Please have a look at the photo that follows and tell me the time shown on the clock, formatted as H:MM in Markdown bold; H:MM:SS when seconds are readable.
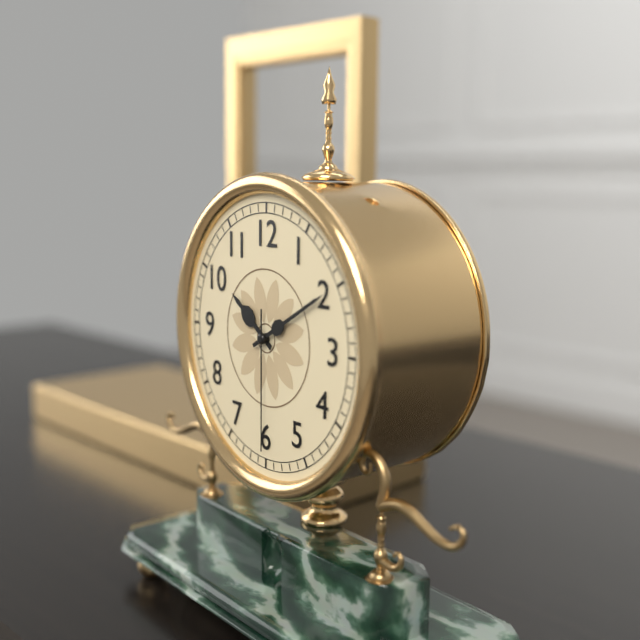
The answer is **10:10:30**
